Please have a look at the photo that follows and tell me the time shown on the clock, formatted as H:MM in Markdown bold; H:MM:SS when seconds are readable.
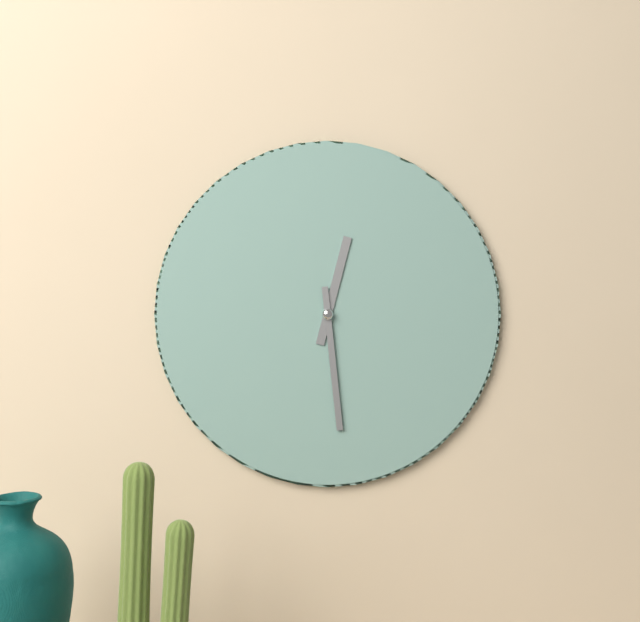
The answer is **12:29**
